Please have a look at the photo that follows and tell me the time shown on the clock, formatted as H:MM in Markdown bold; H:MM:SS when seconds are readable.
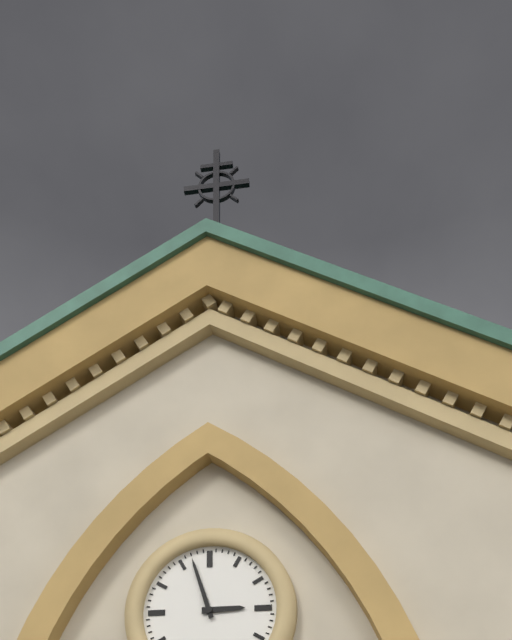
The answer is **2:57**
